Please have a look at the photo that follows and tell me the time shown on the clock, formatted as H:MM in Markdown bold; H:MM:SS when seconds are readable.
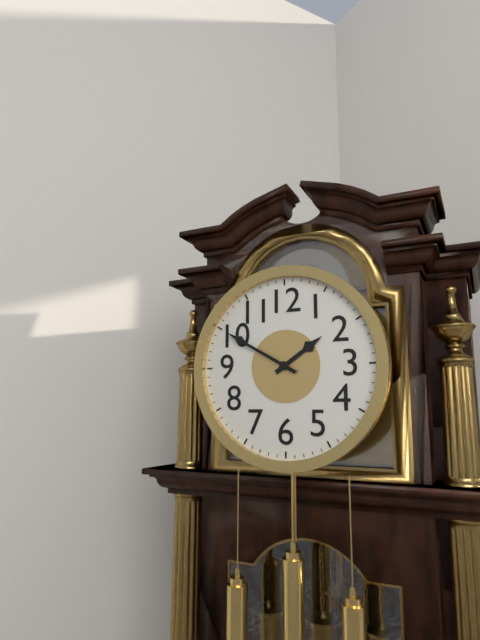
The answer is **1:50**
